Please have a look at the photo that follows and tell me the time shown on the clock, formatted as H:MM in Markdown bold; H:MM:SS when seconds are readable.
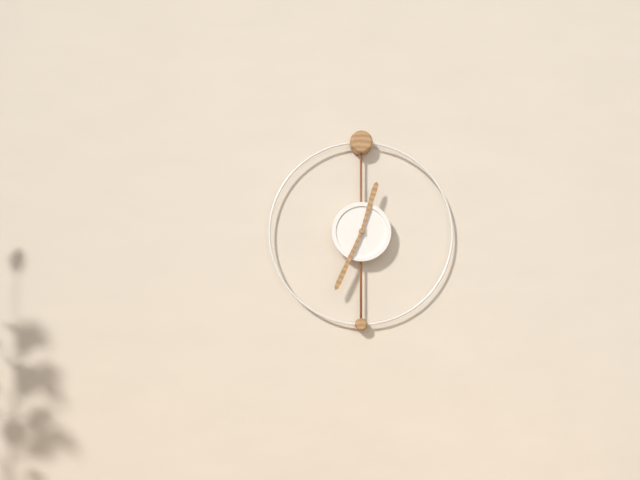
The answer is **12:34**
